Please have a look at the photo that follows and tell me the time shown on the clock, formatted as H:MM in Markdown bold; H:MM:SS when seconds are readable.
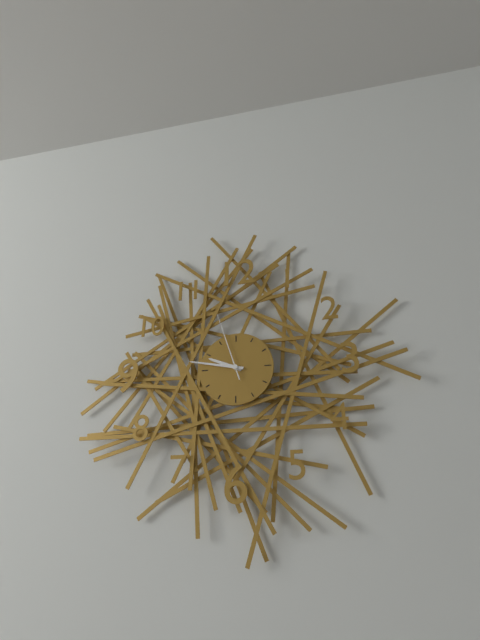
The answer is **9:47:57**
